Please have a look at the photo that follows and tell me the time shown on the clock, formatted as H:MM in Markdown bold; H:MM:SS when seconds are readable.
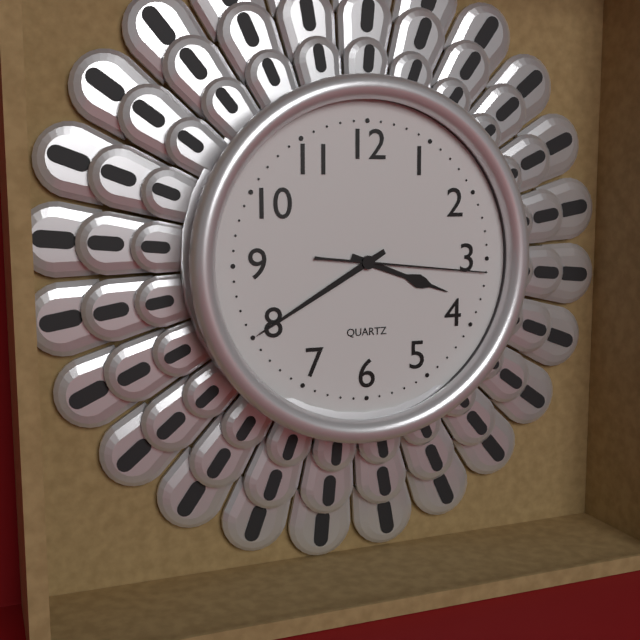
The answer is **3:40:16**
